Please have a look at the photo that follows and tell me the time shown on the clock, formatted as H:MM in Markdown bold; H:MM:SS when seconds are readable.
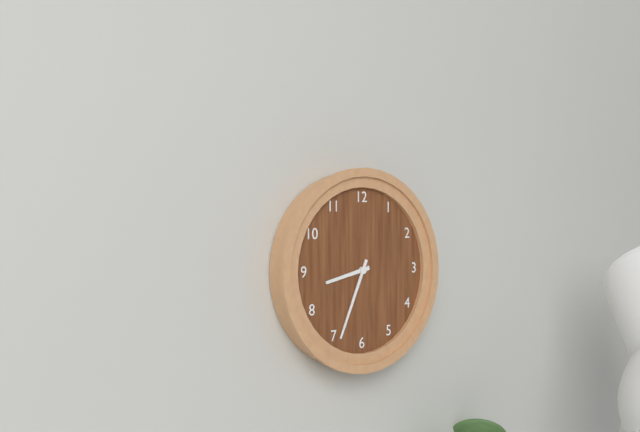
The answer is **8:34**
